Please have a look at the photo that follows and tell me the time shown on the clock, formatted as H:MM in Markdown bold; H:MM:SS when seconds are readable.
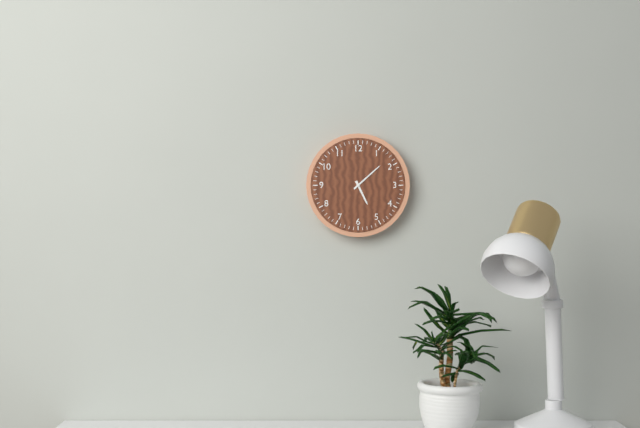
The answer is **5:08**
